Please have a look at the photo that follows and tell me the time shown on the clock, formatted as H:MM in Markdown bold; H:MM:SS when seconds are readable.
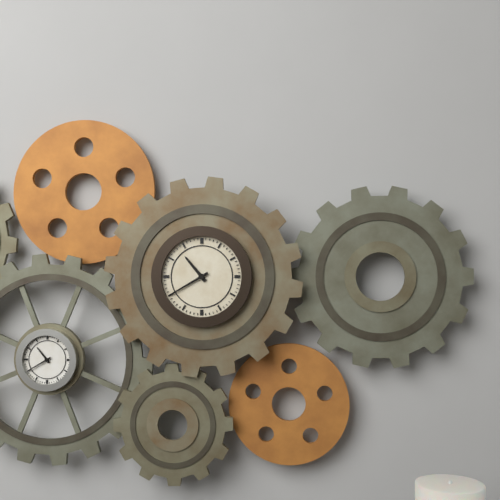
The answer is **10:40**
